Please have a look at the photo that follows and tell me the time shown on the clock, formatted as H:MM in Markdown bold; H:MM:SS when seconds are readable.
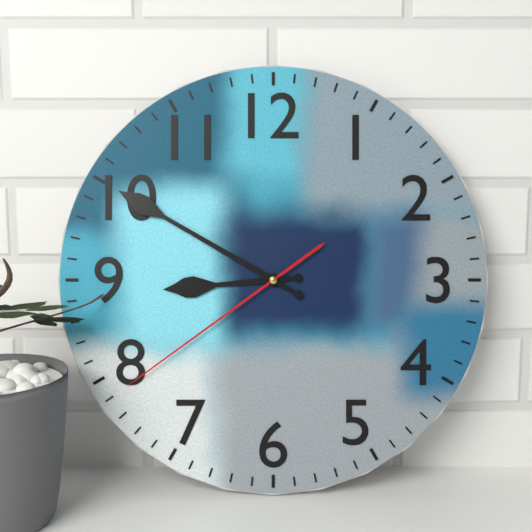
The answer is **8:50:39**
